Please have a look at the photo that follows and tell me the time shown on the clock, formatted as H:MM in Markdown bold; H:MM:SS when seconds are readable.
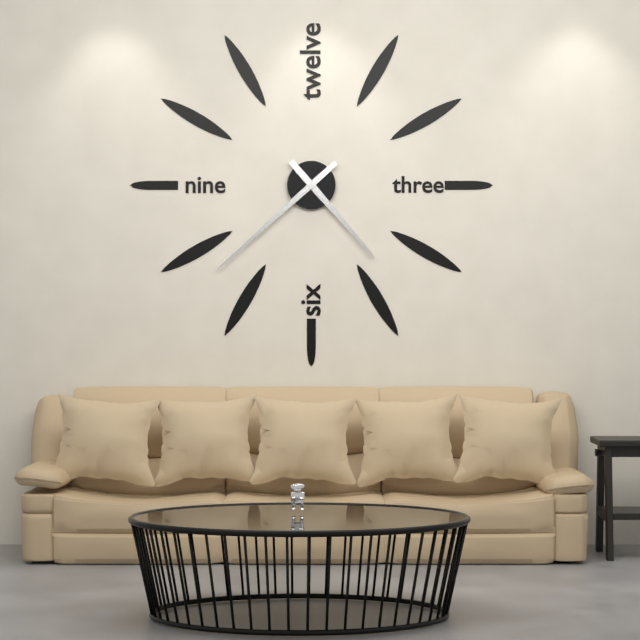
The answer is **4:38**
